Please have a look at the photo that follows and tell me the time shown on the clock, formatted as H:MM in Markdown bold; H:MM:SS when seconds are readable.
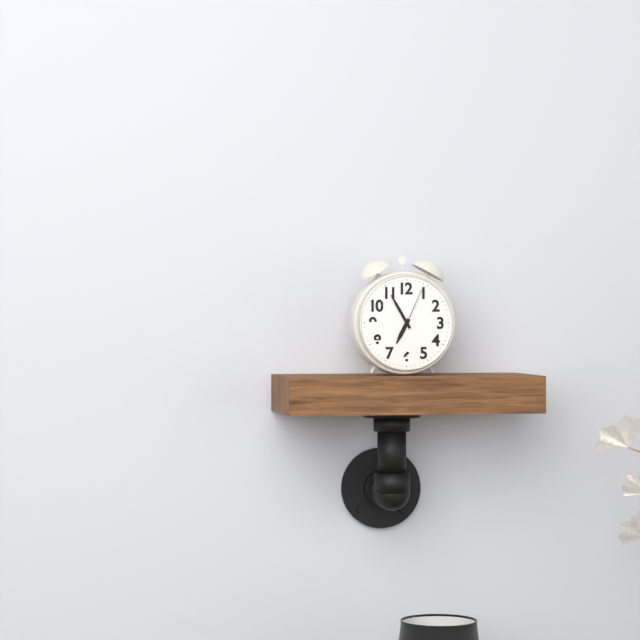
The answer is **6:55**
